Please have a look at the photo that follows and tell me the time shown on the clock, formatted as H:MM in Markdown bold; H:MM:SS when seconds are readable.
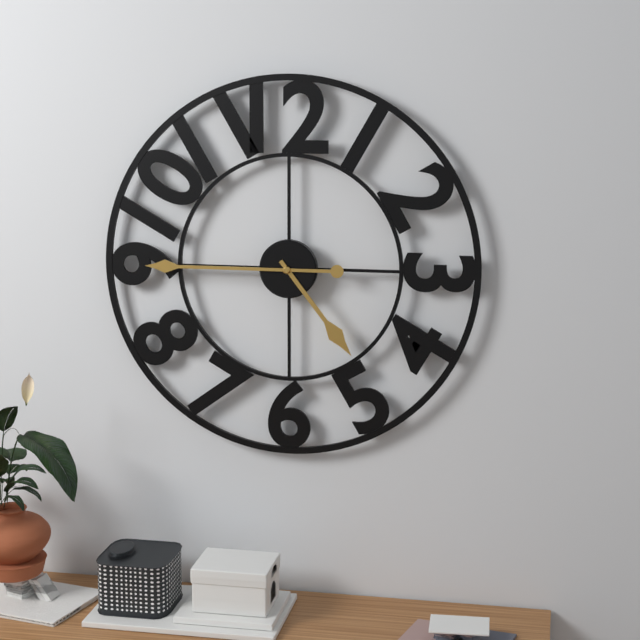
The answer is **4:45**
